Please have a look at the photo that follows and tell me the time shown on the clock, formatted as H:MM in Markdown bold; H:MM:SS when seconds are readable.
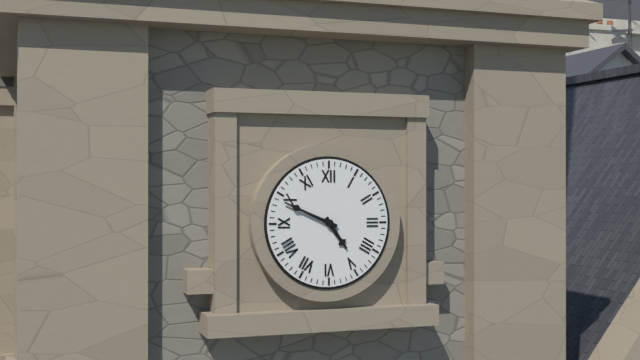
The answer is **4:49**
